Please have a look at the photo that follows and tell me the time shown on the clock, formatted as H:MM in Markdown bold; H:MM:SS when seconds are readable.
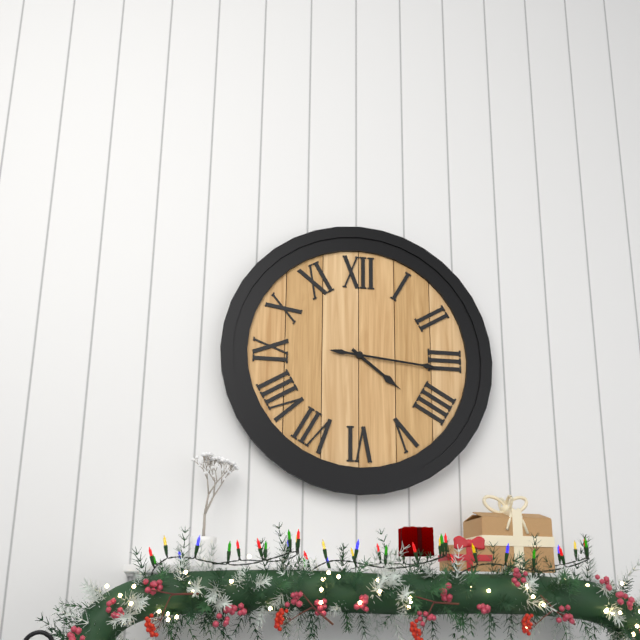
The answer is **4:16**
